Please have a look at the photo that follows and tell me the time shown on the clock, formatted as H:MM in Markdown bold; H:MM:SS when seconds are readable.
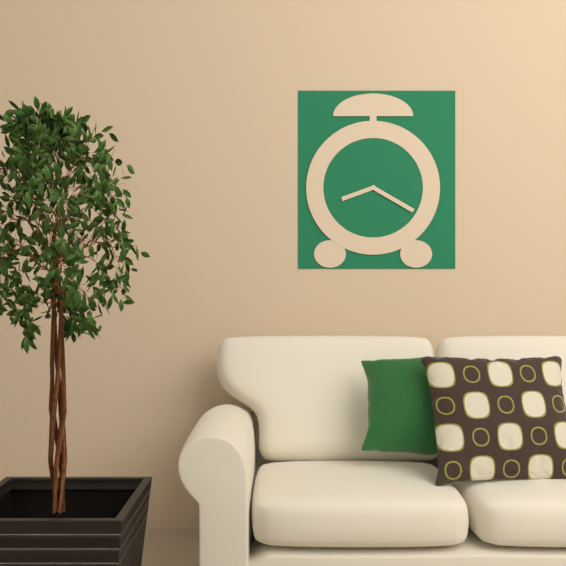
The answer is **8:20**
